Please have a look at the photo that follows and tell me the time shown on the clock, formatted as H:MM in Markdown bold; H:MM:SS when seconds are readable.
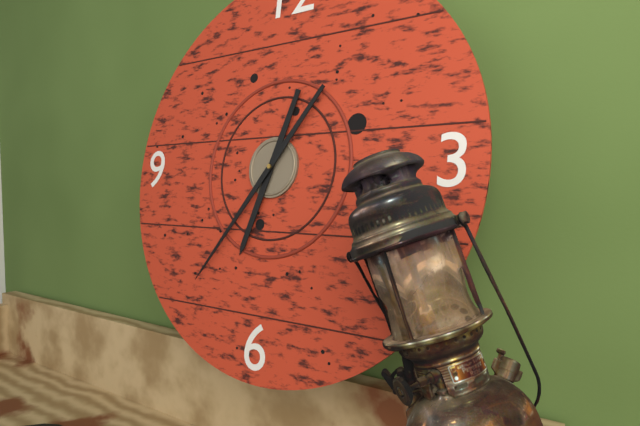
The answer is **6:36**
